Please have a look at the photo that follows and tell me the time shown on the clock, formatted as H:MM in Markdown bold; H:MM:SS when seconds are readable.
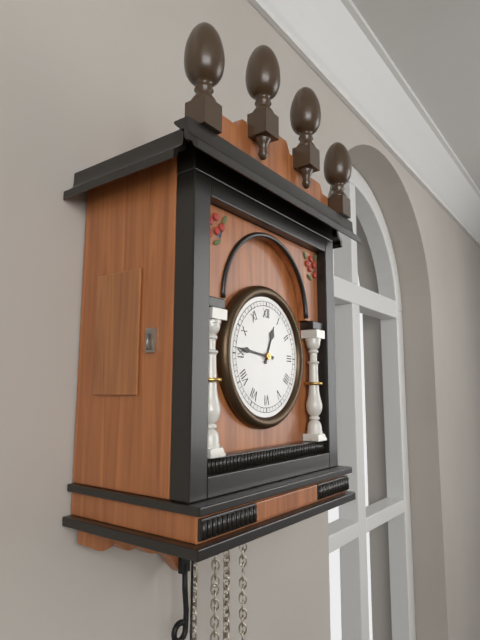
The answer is **12:46**
